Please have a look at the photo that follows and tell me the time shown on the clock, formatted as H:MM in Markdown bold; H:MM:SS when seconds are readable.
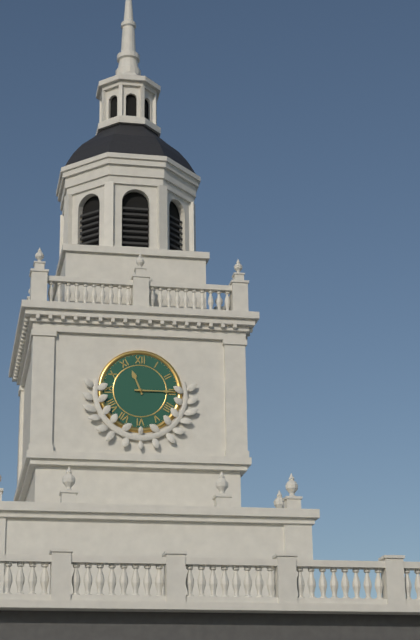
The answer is **11:15**
